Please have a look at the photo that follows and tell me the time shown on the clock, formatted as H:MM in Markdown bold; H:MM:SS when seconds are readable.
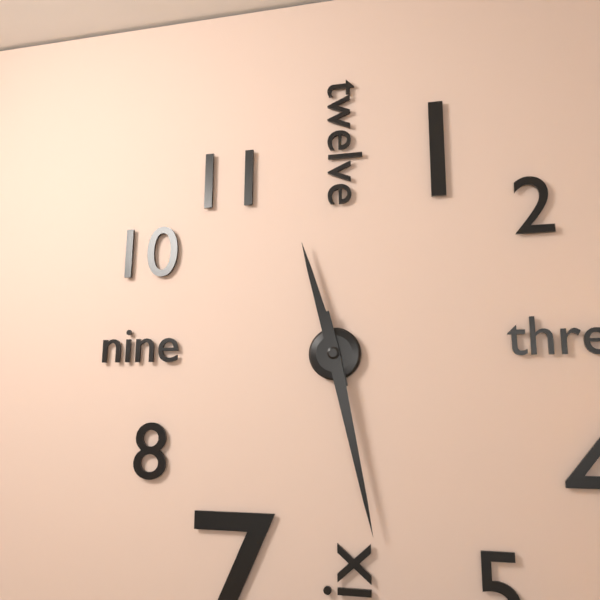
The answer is **11:28**
